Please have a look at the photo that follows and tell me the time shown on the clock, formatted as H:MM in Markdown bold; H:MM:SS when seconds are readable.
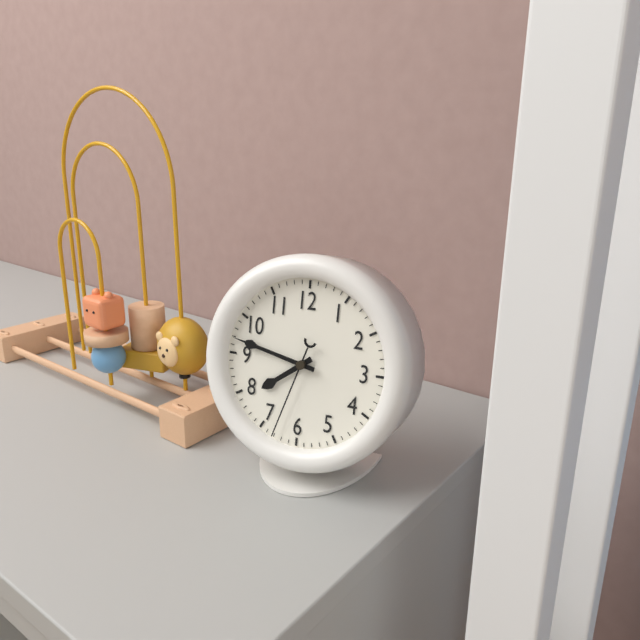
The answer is **7:47:33**
